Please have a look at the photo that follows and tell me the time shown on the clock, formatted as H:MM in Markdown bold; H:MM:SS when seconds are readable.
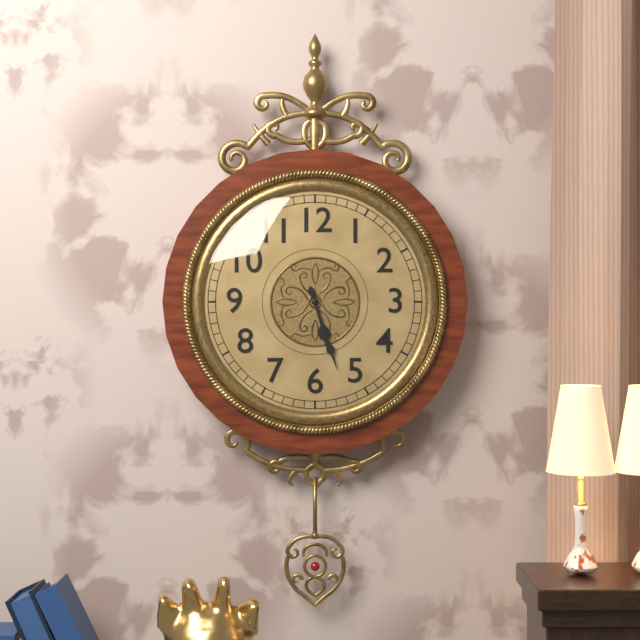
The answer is **5:27**
